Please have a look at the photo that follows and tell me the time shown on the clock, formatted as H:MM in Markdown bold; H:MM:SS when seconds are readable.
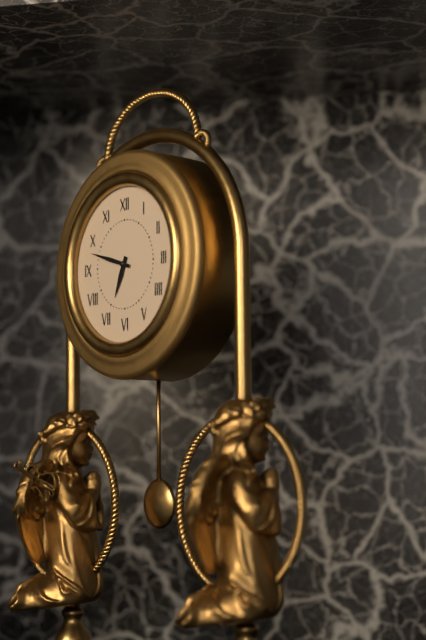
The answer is **6:48**
